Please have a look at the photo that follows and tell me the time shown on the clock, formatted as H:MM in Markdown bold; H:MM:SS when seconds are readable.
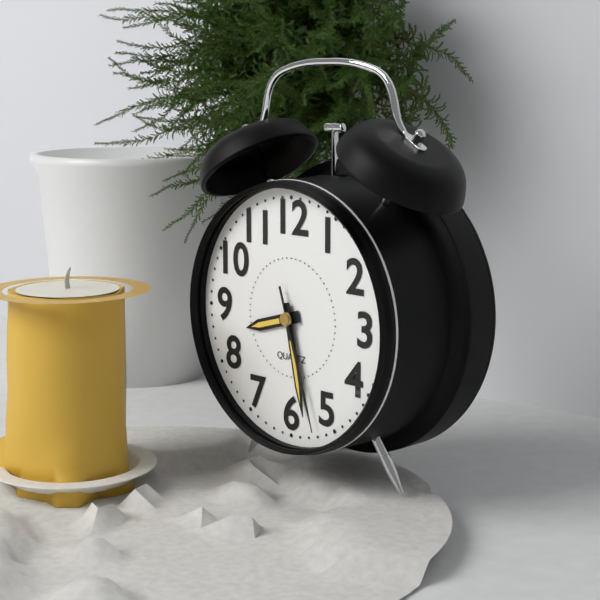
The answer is **8:28:27**
